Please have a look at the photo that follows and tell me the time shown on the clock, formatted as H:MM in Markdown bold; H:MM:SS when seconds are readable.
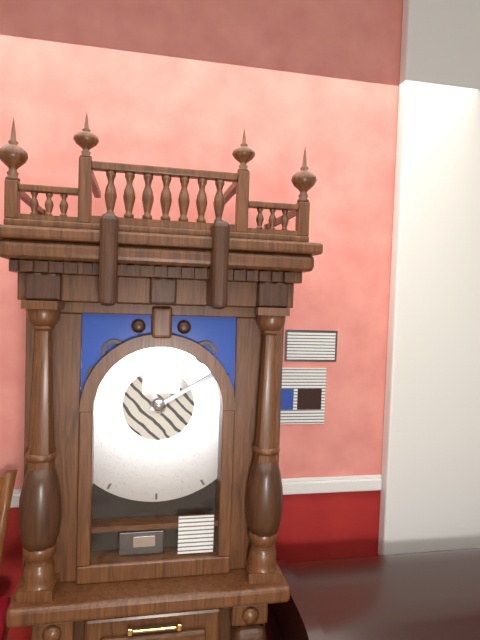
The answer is **11:10**
